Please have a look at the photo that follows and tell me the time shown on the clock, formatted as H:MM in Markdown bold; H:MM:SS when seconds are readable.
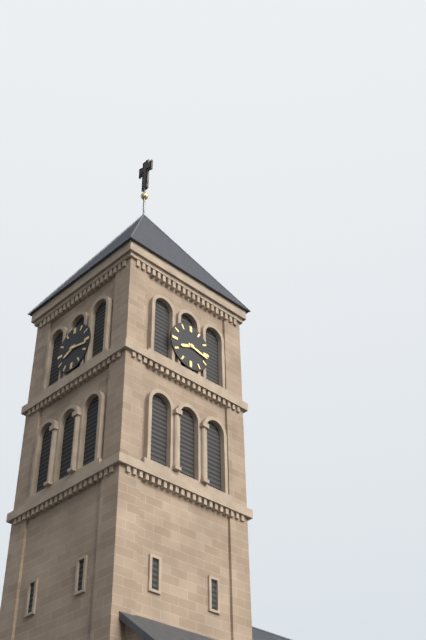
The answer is **8:17**
